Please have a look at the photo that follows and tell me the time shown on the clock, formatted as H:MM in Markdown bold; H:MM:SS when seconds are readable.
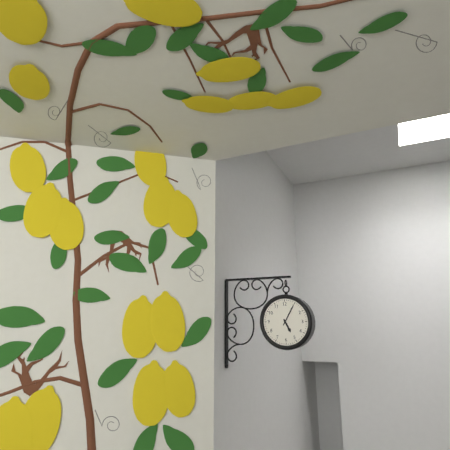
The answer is **5:05**
